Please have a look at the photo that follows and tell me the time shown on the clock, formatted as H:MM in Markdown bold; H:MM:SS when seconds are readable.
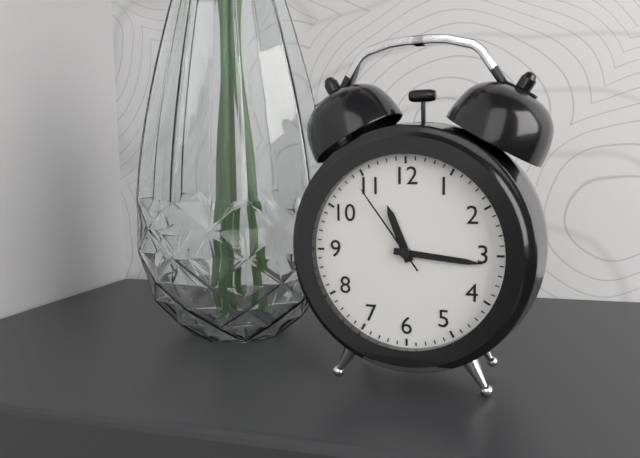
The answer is **11:16:54**
